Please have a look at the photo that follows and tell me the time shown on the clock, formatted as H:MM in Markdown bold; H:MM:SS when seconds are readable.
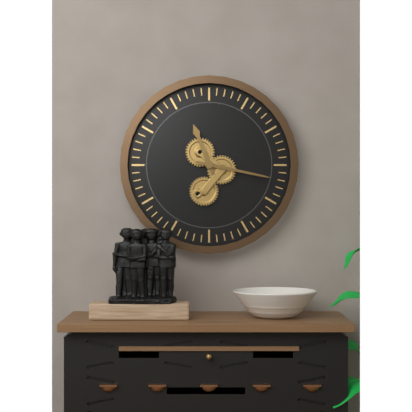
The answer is **11:17**
